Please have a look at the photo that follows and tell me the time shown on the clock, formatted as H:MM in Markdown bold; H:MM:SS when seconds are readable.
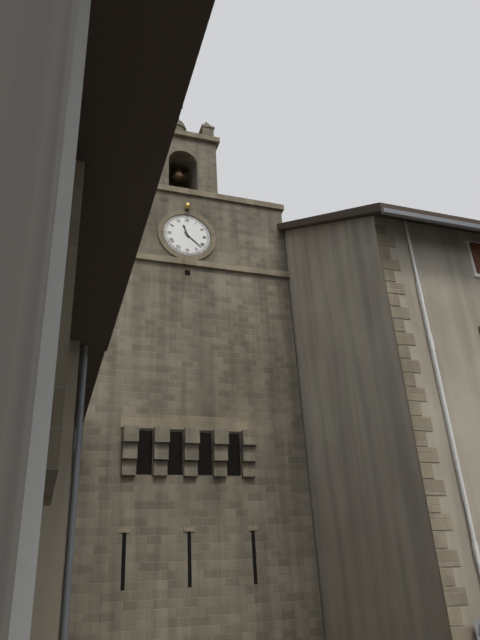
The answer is **11:22**
